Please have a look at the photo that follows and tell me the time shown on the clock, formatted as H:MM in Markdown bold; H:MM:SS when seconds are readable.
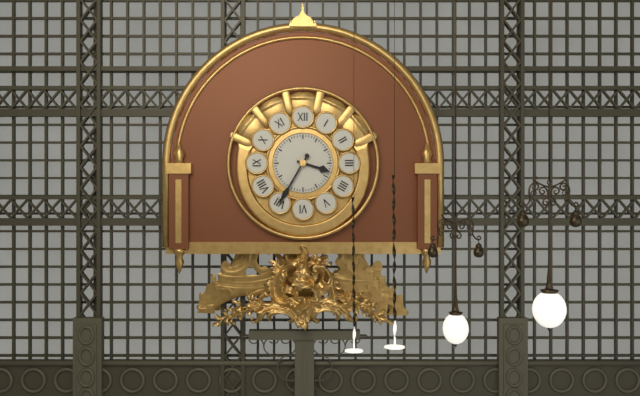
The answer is **3:35**
